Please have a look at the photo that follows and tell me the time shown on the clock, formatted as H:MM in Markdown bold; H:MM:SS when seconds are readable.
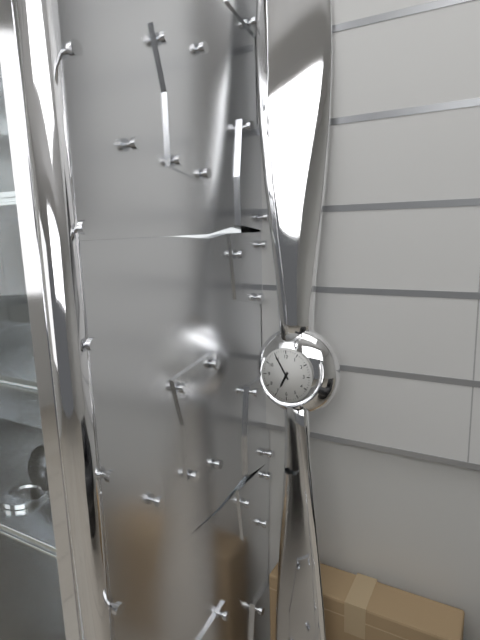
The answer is **6:55**
